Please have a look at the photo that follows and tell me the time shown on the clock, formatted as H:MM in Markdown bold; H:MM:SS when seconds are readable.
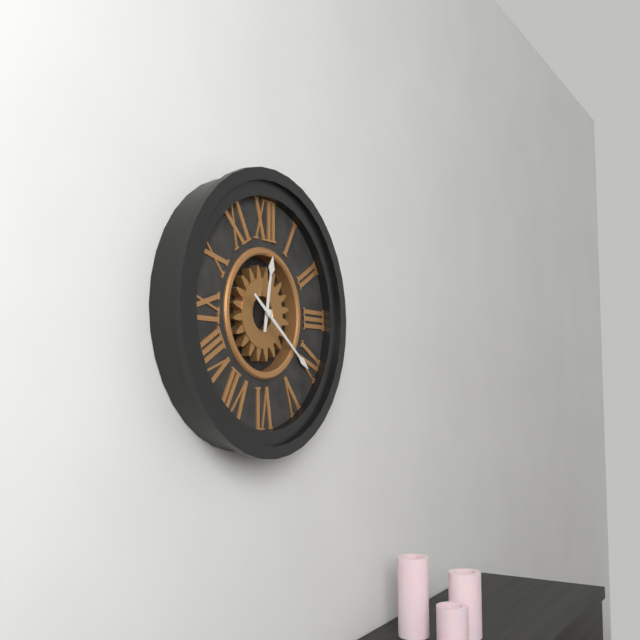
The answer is **12:21**
